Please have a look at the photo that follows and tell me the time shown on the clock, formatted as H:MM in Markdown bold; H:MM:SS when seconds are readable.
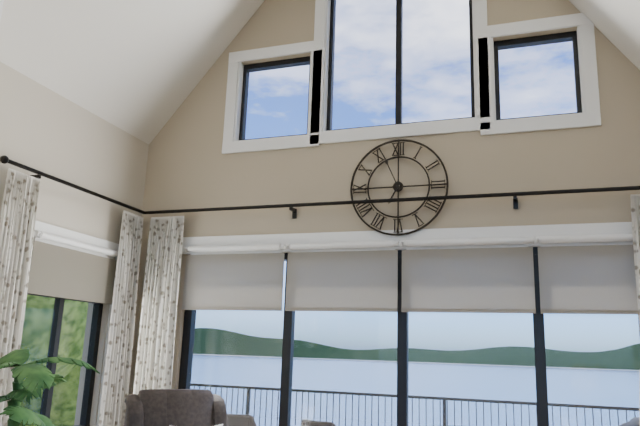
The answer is **6:56**
